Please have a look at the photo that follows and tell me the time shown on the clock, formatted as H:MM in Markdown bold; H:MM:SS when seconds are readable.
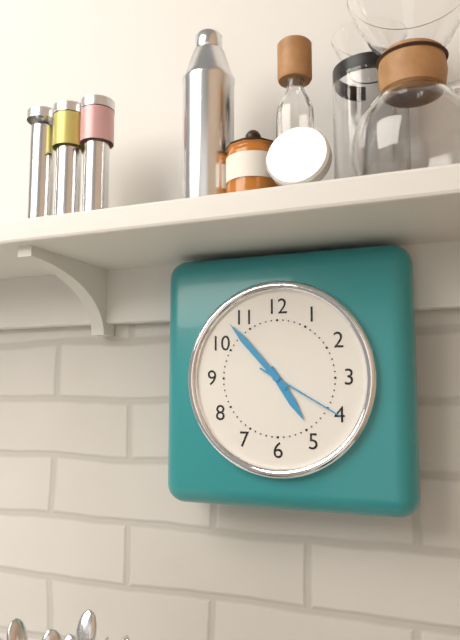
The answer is **4:53:20**
